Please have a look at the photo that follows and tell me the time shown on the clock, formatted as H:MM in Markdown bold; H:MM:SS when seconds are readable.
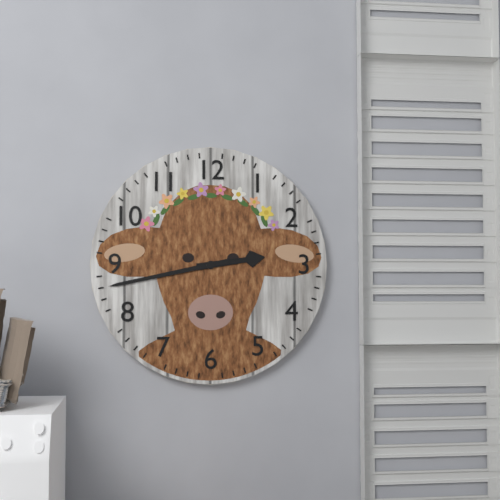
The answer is **2:43**
